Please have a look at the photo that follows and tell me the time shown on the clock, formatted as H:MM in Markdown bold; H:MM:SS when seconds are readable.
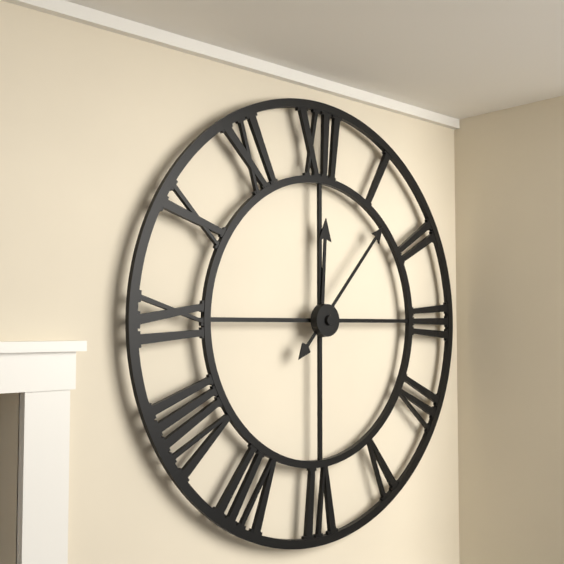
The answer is **12:07**
